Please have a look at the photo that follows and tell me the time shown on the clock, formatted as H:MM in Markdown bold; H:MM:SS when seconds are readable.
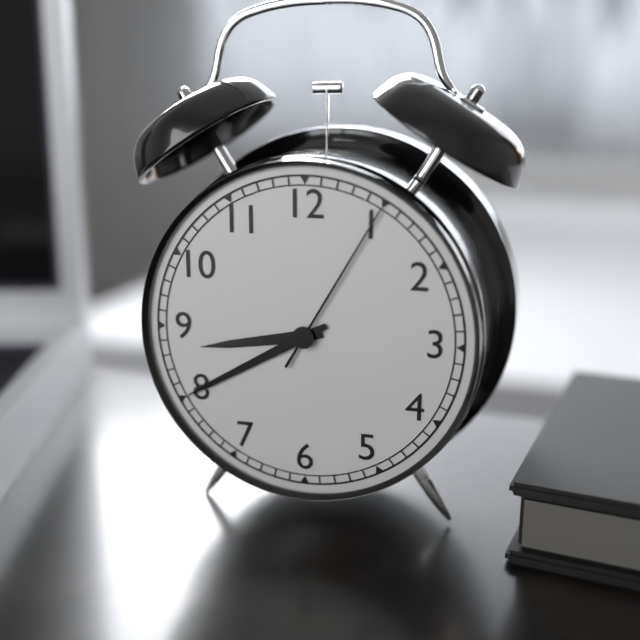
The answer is **8:40:05**
